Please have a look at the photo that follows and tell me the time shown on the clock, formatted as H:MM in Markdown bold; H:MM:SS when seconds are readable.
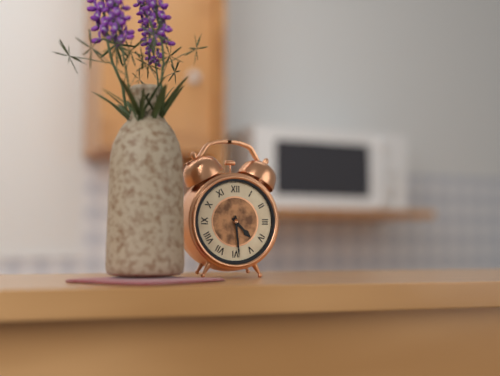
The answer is **4:29**
